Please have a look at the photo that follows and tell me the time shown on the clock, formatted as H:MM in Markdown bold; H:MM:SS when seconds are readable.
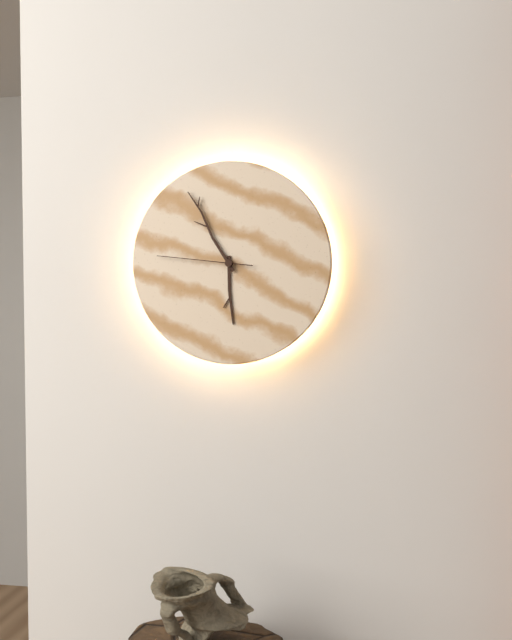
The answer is **5:55:46**
